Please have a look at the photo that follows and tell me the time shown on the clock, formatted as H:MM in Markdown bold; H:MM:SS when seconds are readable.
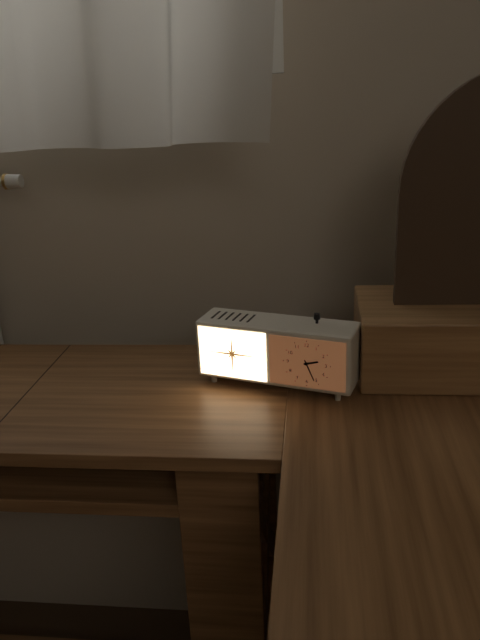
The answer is **2:26**
